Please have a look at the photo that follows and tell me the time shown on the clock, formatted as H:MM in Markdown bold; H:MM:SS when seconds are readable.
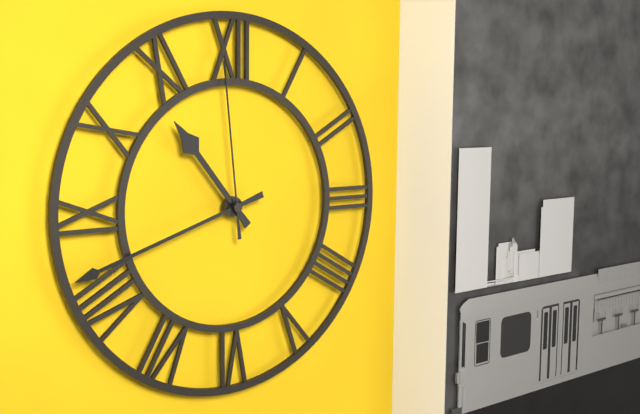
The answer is **10:42:59**
